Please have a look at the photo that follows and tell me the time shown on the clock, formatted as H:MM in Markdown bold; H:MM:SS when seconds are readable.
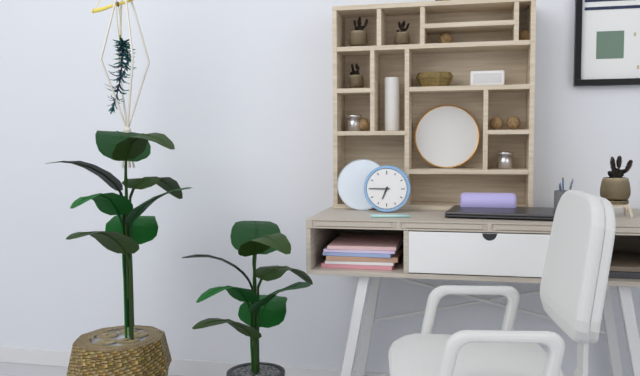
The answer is **6:45**
